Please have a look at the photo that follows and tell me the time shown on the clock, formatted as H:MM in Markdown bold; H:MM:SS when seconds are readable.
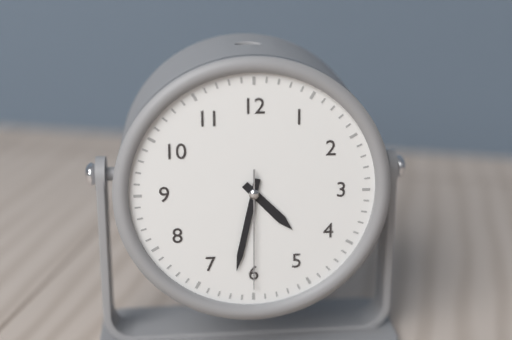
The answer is **4:32:30**
